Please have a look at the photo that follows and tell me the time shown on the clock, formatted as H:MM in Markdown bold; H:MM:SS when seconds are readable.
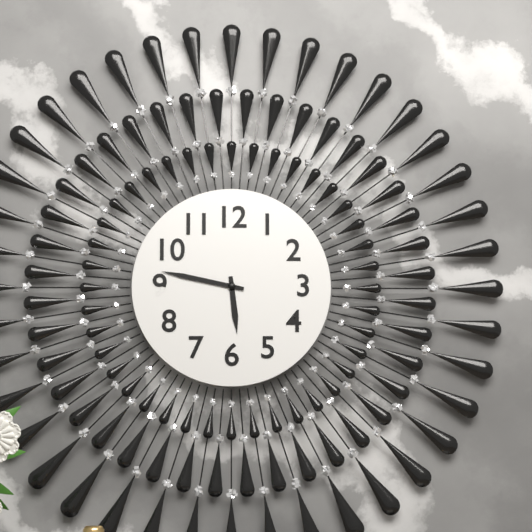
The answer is **5:47**
